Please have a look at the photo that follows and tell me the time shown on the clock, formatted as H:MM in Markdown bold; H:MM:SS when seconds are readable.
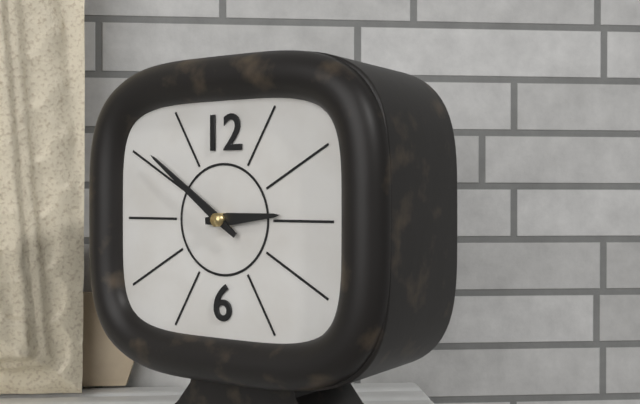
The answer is **2:51**
